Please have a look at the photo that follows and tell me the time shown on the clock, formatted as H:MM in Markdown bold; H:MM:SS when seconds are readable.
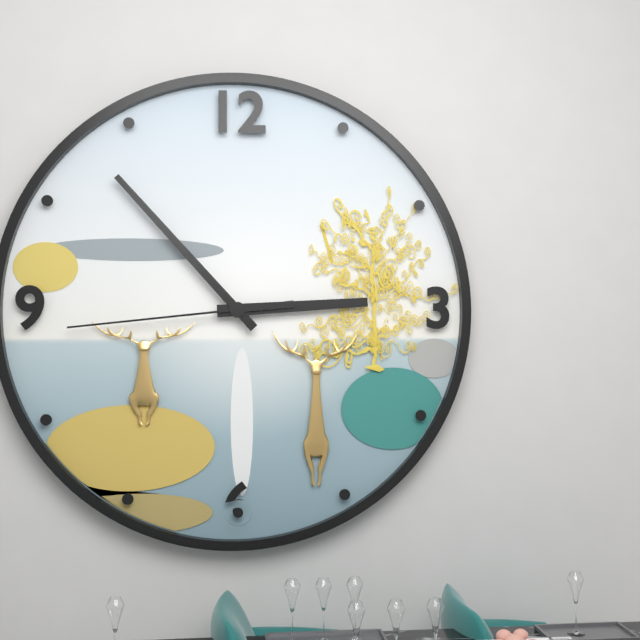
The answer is **2:53:44**
